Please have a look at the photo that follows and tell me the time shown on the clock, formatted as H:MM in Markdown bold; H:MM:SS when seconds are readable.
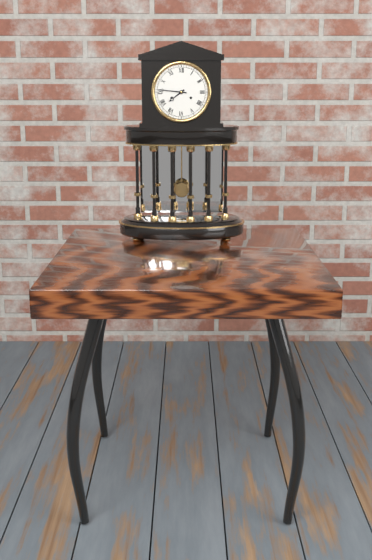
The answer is **7:46**
